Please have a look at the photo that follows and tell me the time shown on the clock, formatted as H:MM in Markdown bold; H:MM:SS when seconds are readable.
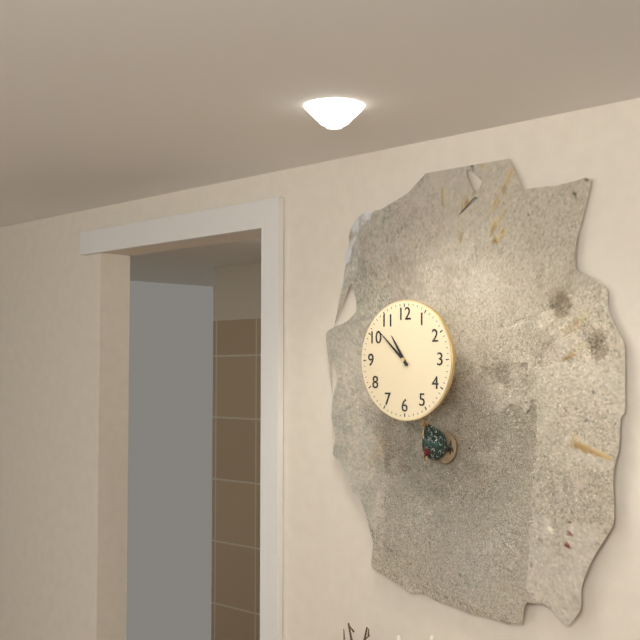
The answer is **10:52**
